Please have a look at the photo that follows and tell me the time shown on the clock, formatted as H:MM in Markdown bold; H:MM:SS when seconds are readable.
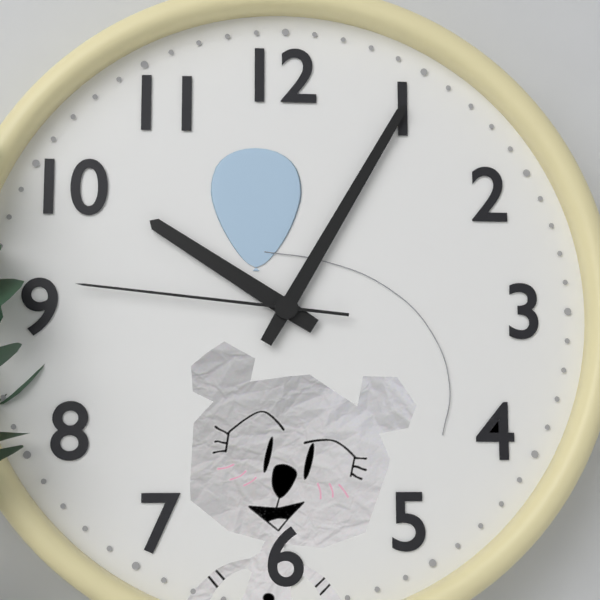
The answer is **10:05:46**
